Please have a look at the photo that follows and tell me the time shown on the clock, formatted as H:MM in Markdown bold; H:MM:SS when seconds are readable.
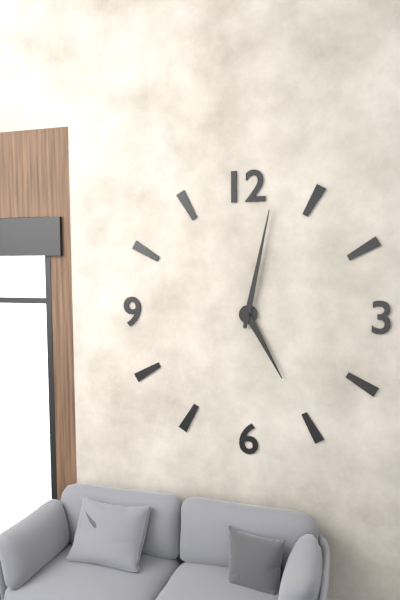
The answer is **5:02**
